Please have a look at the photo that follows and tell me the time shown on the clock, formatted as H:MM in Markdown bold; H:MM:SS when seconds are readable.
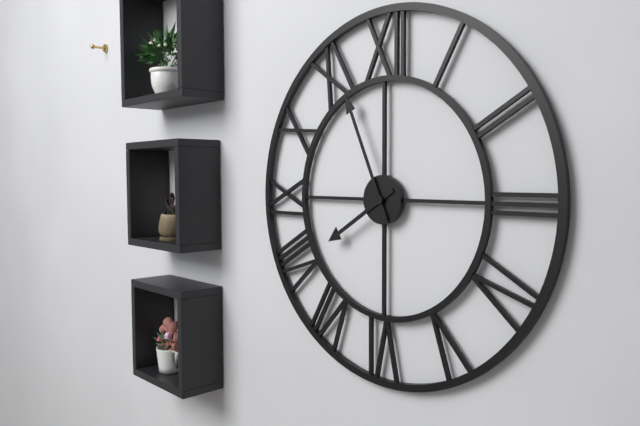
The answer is **7:56**
